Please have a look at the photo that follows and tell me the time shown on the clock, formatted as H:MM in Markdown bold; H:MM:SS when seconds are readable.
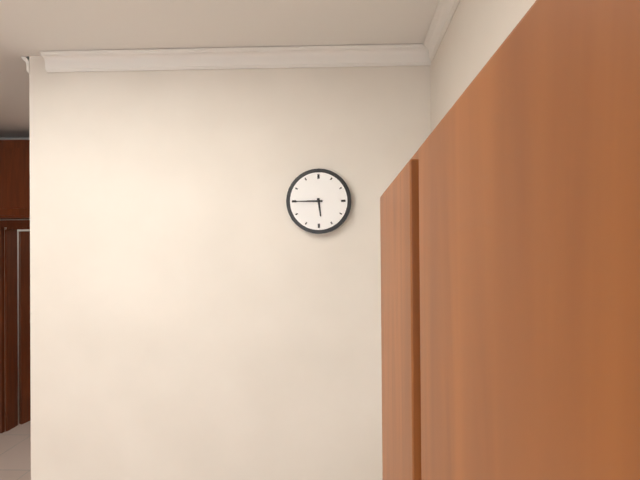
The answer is **5:45**
